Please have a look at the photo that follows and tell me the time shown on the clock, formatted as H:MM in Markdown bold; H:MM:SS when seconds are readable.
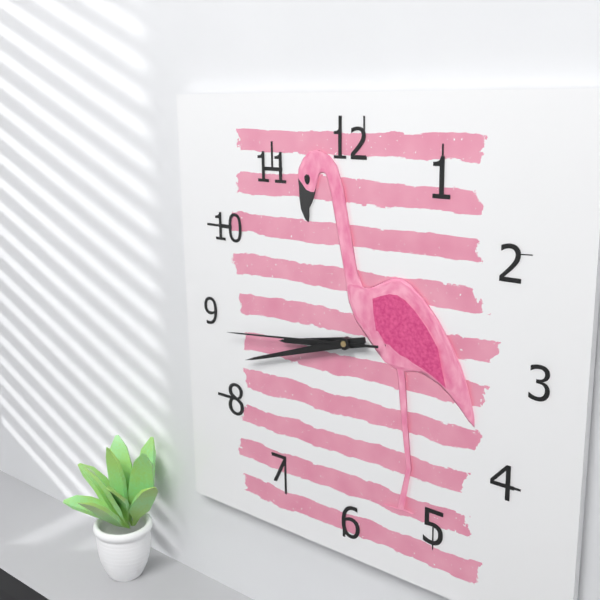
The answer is **8:42:44**
